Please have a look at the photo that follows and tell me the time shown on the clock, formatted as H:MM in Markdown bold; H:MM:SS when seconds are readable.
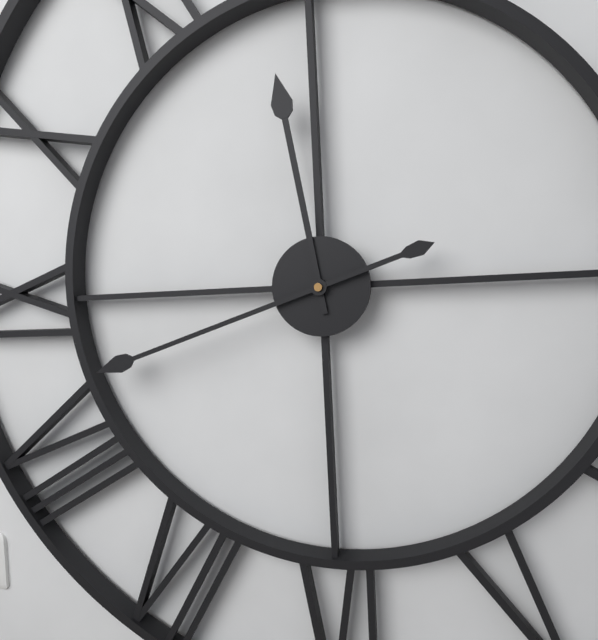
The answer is **11:42**
